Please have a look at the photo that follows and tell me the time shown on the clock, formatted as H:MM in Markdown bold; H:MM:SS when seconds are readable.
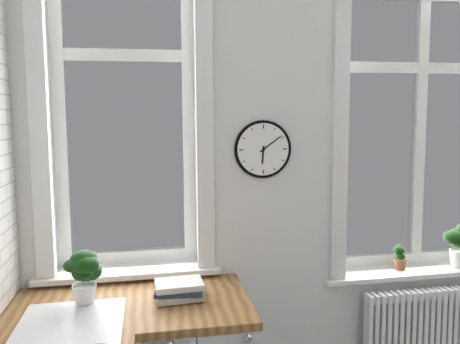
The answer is **6:09**
